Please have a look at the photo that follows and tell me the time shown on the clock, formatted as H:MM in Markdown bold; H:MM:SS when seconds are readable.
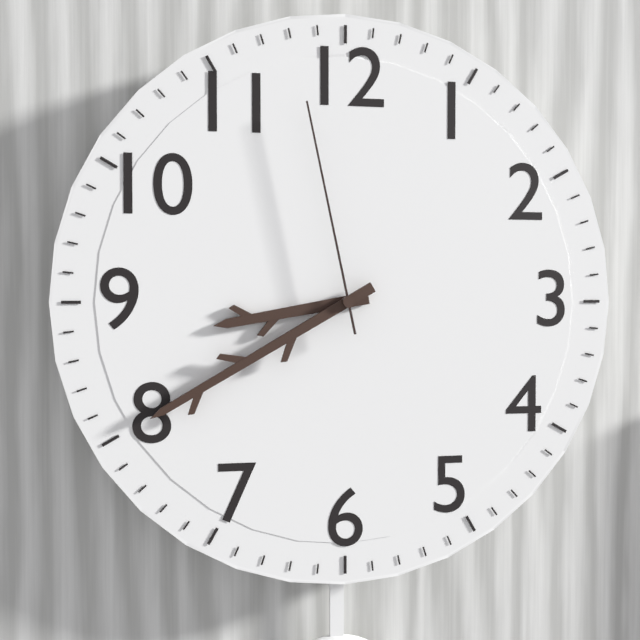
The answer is **8:40:58**
